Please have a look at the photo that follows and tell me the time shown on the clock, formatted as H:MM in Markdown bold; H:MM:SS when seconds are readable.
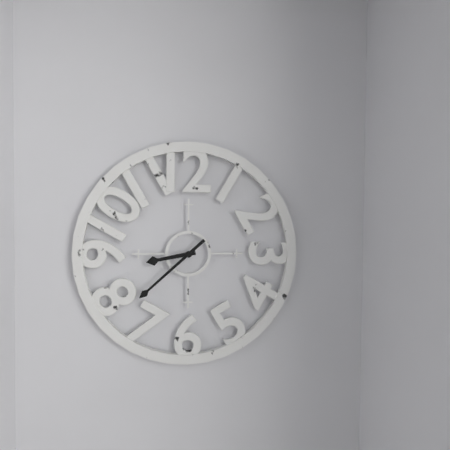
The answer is **8:38**
